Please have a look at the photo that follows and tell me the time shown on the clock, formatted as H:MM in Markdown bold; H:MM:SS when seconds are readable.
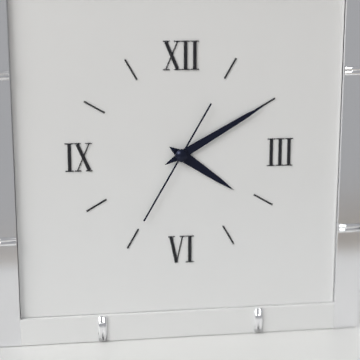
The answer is **4:10:35**
